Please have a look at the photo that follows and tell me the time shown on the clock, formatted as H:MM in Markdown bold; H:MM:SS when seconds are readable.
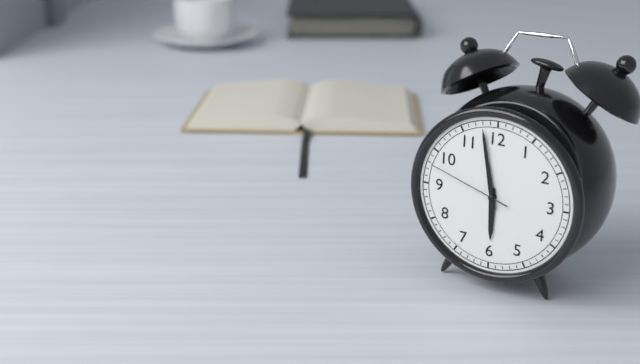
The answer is **5:58:48**
